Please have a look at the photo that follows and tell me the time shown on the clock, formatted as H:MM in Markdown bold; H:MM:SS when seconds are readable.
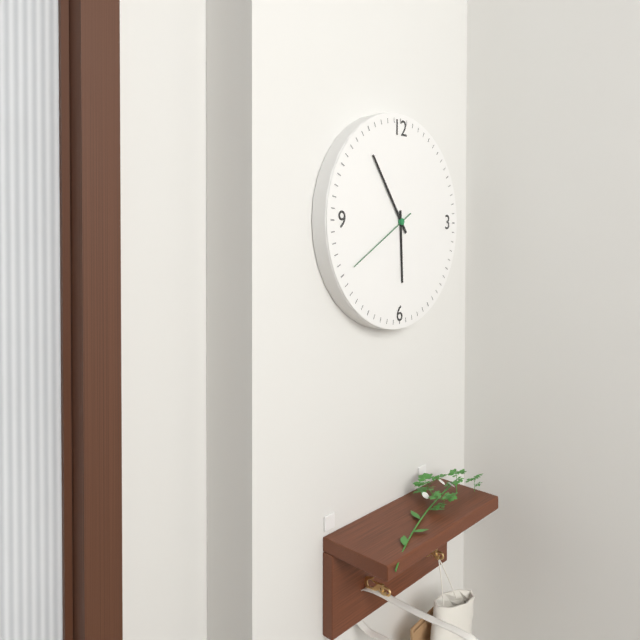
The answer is **5:54:40**
